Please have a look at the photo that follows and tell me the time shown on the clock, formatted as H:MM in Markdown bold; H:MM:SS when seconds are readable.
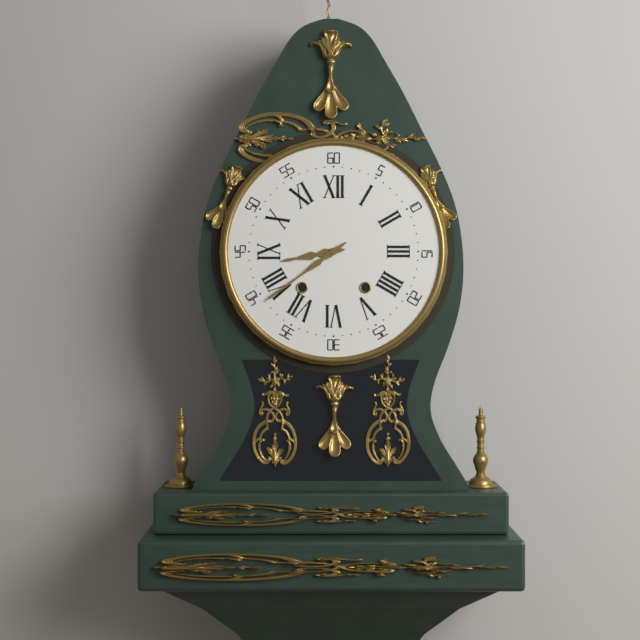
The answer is **8:39**
